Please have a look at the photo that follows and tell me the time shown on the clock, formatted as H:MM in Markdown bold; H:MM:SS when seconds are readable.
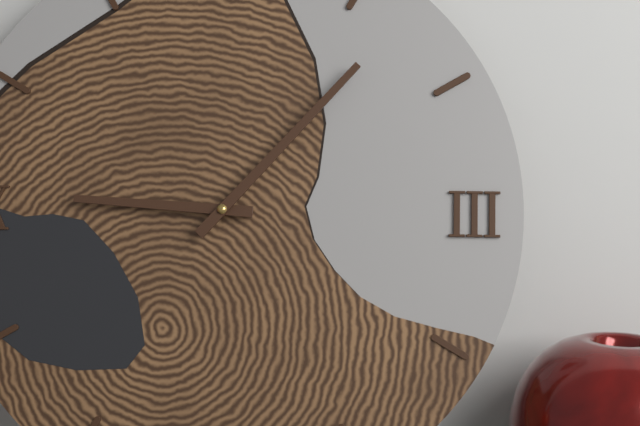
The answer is **9:07**
